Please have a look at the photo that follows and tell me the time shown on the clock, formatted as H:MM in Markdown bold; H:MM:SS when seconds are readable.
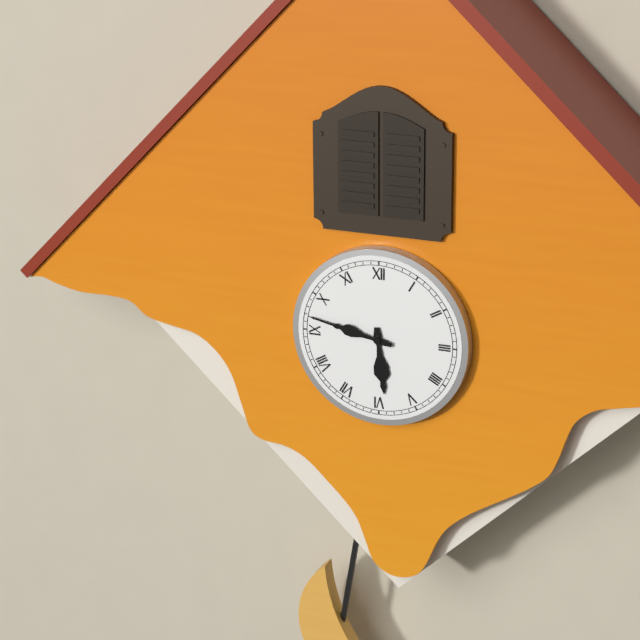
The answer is **5:47**
